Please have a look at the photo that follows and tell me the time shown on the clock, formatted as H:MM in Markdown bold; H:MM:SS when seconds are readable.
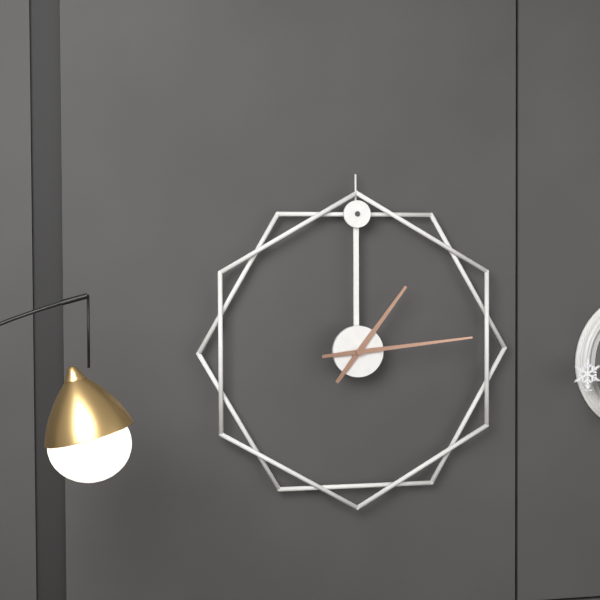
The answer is **1:14**
